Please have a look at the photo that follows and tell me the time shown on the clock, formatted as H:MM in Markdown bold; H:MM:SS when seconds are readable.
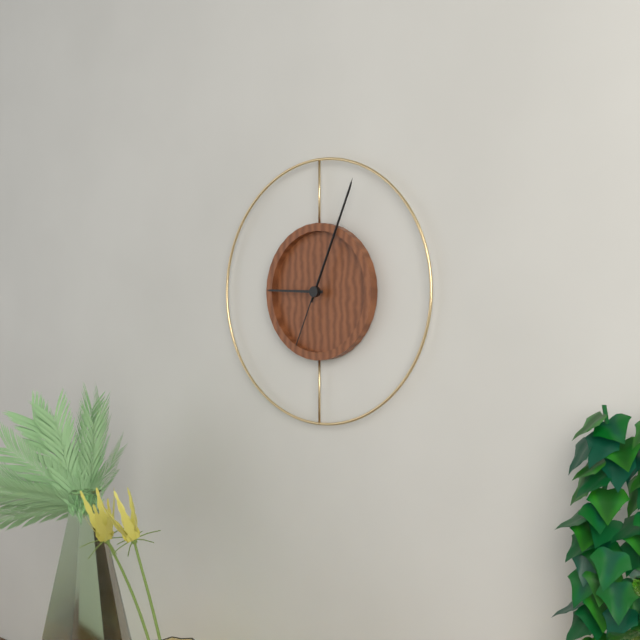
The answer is **9:04:04**
